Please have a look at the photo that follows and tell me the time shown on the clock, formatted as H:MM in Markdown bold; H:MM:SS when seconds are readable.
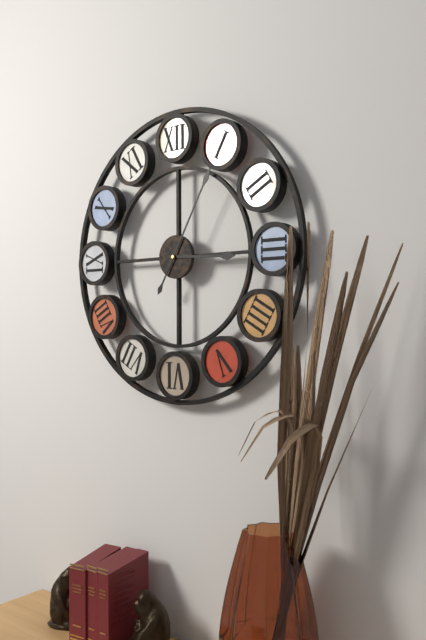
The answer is **3:05**
